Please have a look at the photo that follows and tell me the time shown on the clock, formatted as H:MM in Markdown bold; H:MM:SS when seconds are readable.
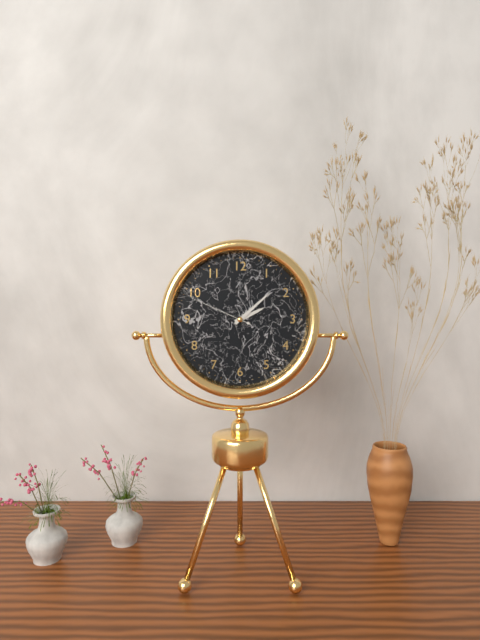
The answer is **2:08:49**
